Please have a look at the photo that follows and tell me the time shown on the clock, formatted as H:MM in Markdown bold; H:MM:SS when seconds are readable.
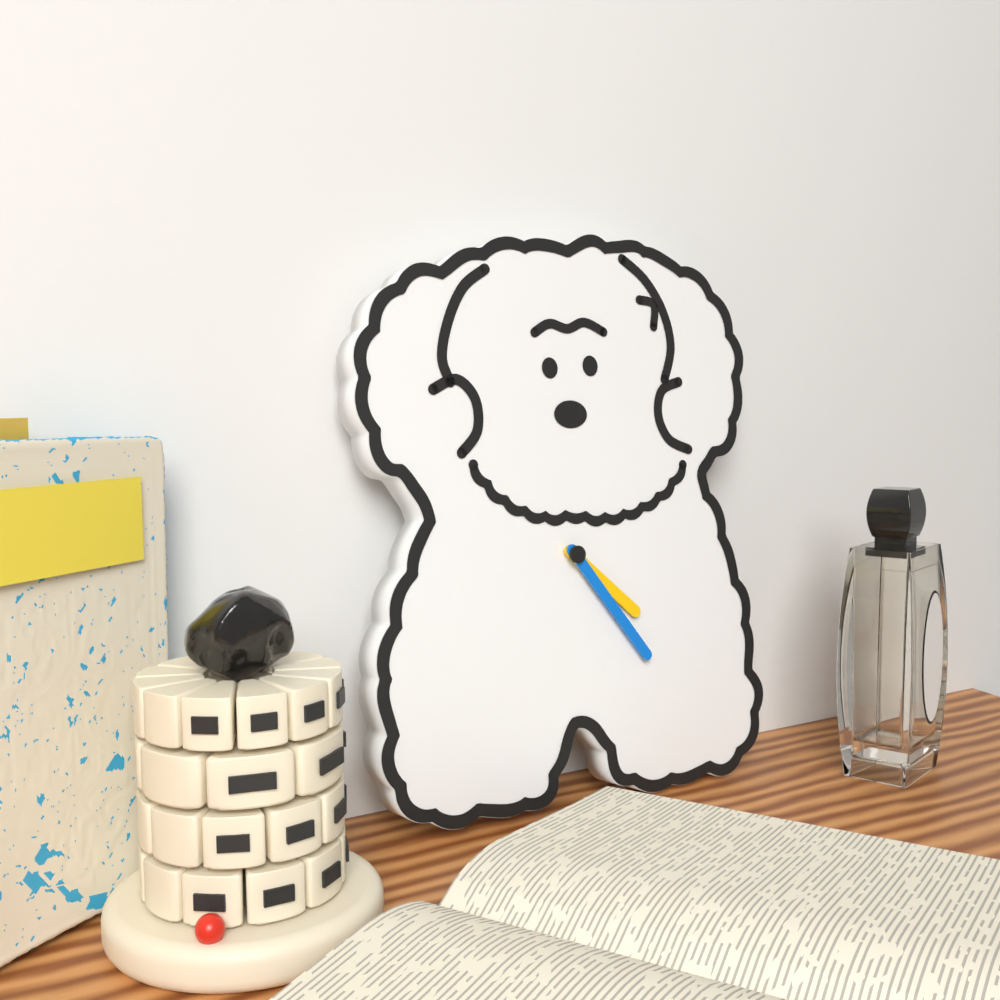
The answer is **4:24**
